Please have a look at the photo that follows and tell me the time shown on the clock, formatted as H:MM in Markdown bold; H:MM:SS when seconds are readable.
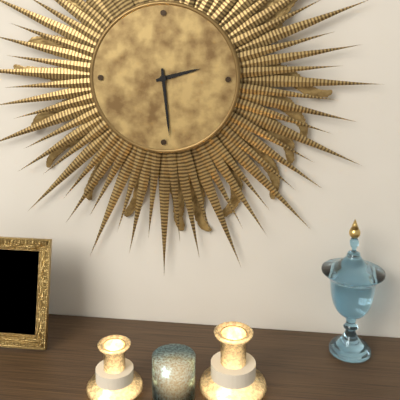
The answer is **2:29**
